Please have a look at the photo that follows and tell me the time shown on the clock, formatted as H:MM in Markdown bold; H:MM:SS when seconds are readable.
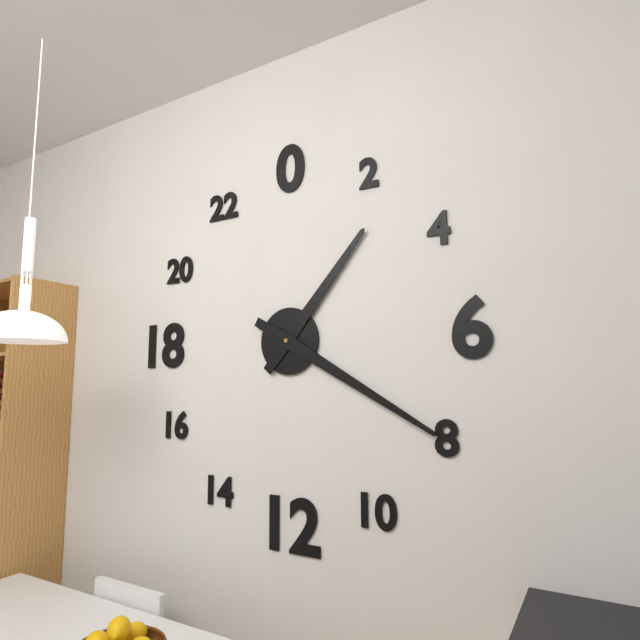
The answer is **1:20**
